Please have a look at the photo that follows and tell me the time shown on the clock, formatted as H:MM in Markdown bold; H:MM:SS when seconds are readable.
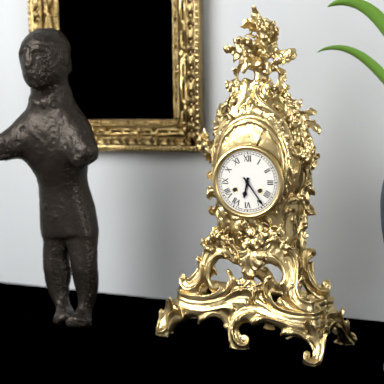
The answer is **6:24**
